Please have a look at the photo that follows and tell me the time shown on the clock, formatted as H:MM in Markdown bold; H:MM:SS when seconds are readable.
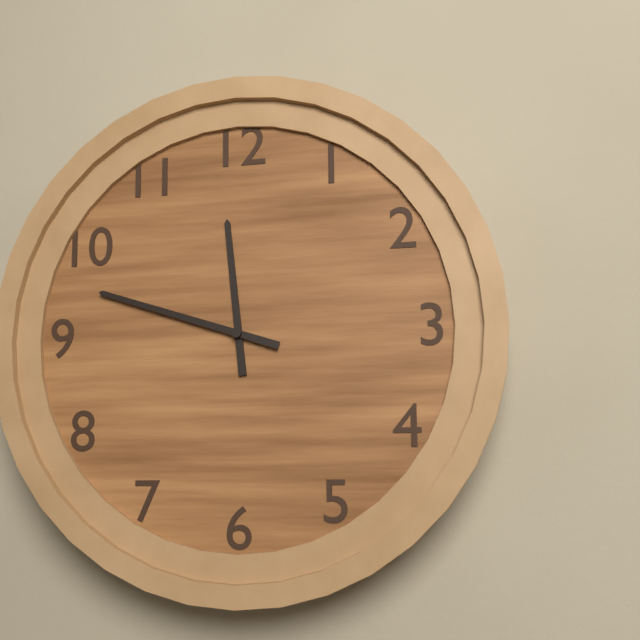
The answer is **11:48**
